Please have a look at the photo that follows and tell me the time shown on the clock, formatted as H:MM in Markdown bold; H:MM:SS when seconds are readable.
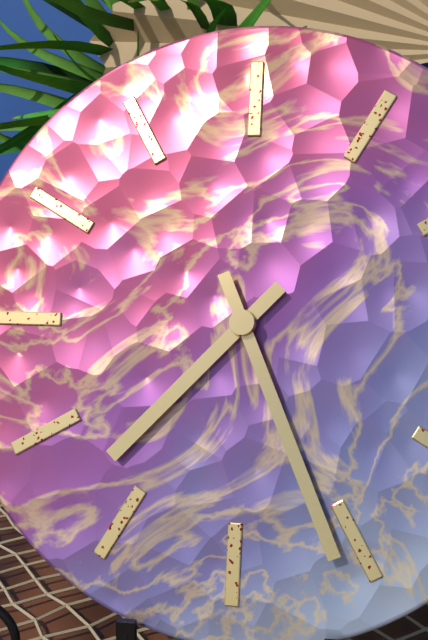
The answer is **7:26**
